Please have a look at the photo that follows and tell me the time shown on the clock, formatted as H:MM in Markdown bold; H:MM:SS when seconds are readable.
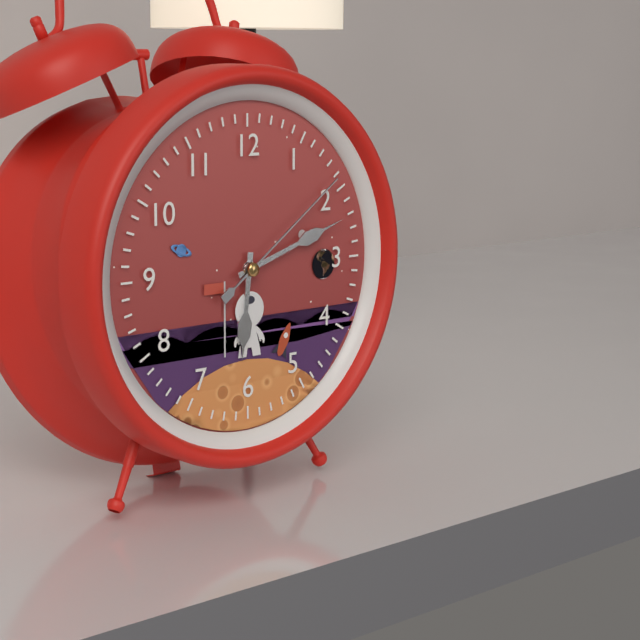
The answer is **6:12:09**
